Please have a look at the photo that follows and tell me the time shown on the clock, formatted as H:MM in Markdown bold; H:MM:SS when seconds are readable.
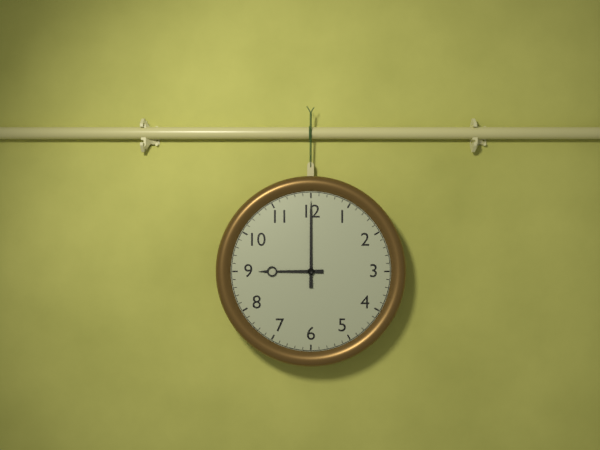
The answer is **9:00**
